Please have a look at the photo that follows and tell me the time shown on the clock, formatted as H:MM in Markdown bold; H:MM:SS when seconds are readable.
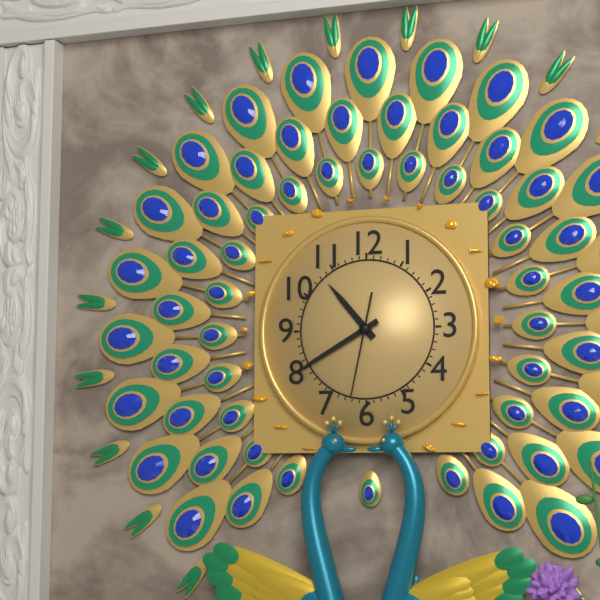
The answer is **10:40:32**
